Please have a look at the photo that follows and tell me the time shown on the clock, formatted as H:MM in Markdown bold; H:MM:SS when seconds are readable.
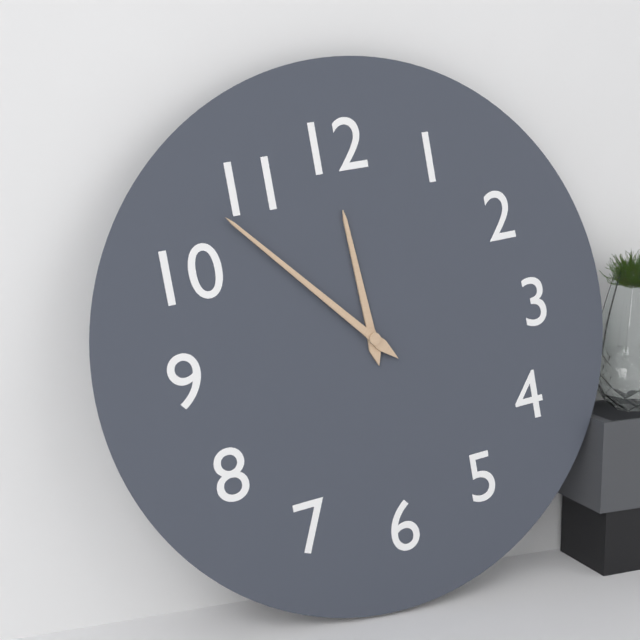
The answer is **11:53**
